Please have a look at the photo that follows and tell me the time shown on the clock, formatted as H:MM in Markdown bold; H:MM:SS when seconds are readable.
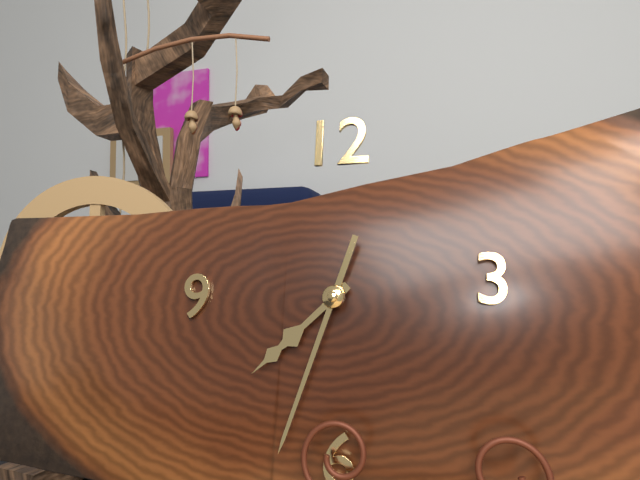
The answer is **7:33**
